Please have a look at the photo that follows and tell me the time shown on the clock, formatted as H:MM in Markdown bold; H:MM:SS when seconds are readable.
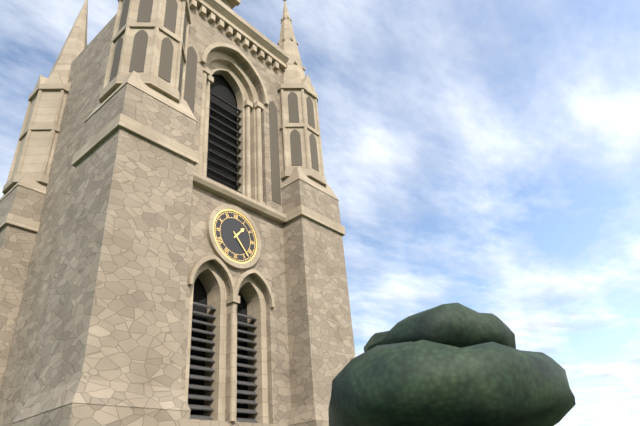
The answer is **1:23**
